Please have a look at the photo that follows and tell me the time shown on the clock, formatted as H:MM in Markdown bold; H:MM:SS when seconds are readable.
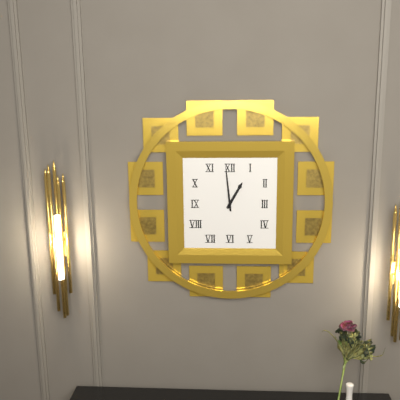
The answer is **12:59**
